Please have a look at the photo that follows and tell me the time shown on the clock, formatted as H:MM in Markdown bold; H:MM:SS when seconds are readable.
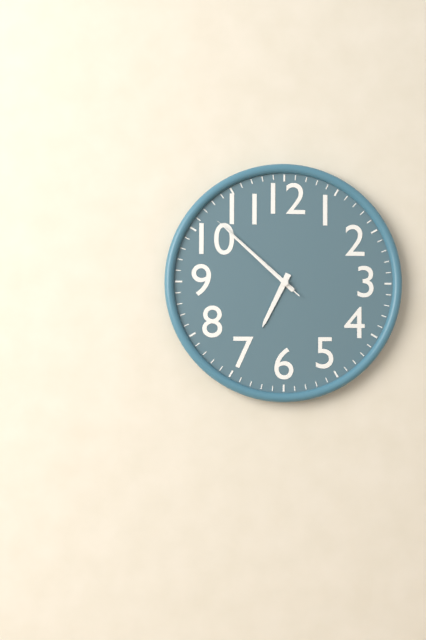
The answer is **6:52:52**
